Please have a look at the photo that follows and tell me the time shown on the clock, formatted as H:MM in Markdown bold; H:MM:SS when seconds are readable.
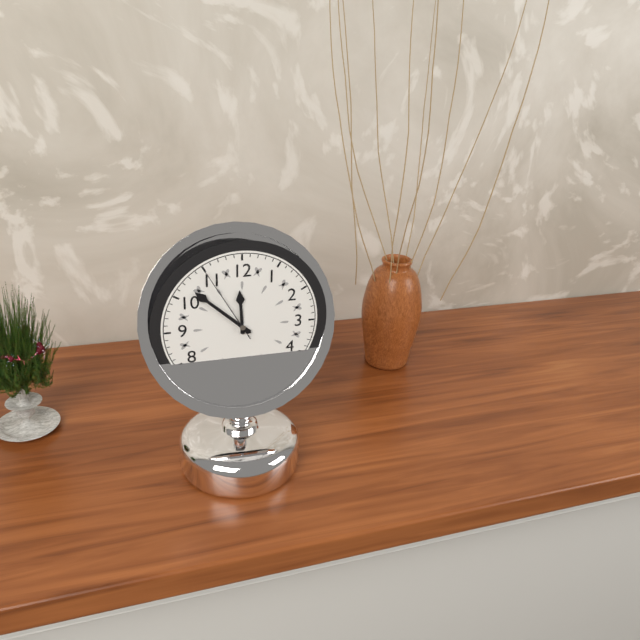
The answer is **11:52:55**
